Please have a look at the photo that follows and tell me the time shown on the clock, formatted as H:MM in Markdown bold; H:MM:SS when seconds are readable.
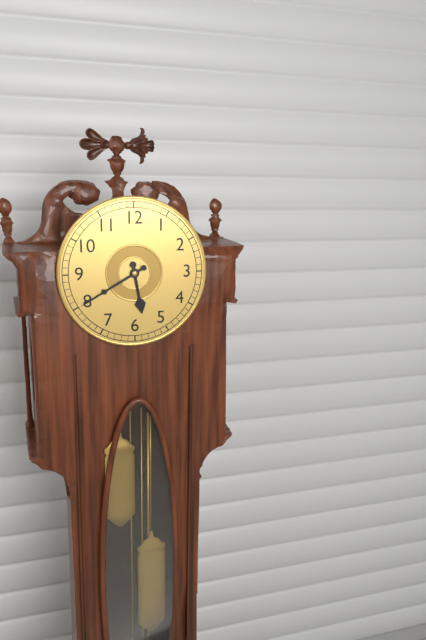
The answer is **5:40**
